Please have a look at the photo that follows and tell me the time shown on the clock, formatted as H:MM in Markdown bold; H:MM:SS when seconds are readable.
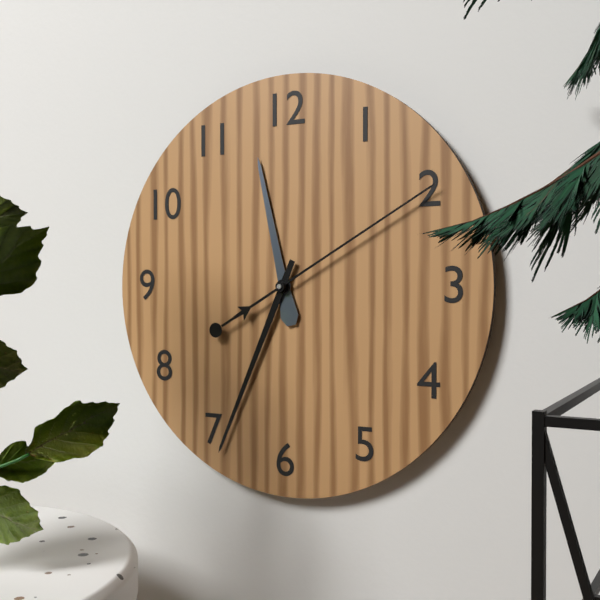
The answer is **11:34:10**
